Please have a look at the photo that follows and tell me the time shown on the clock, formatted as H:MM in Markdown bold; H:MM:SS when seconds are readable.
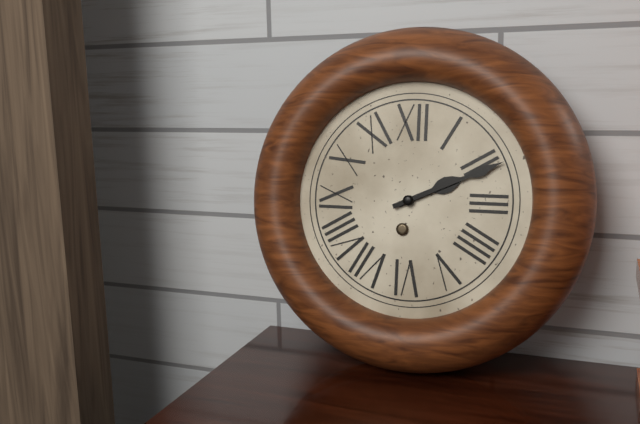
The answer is **2:11**
